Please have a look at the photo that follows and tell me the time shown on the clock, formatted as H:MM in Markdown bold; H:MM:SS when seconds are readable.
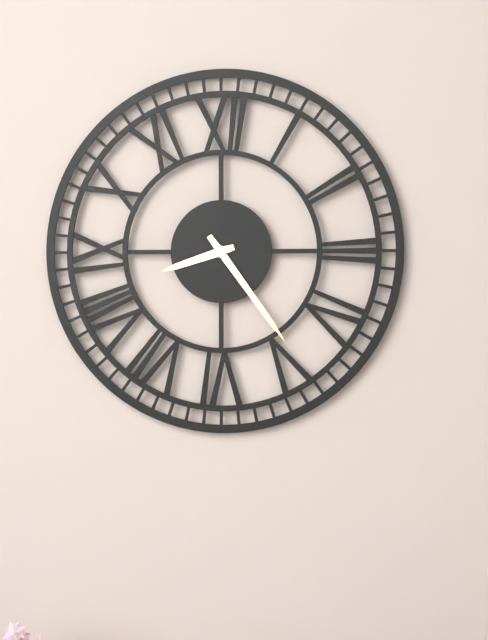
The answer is **8:24**
